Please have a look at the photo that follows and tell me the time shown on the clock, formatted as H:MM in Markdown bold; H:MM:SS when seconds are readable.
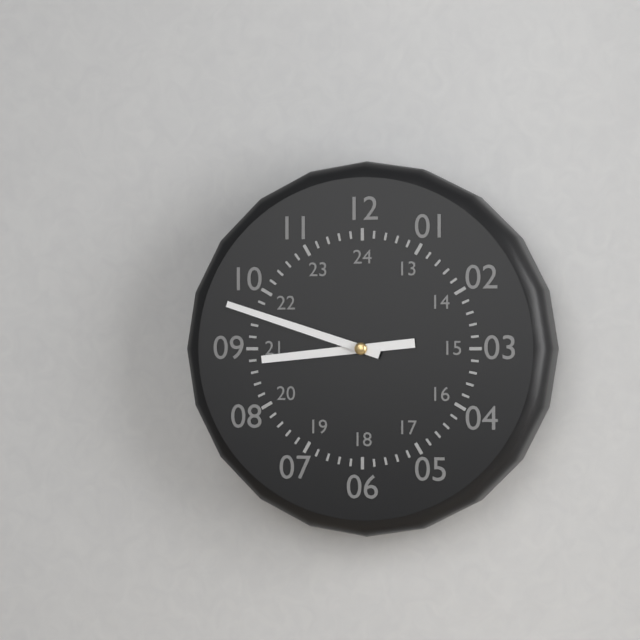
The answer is **8:48**
